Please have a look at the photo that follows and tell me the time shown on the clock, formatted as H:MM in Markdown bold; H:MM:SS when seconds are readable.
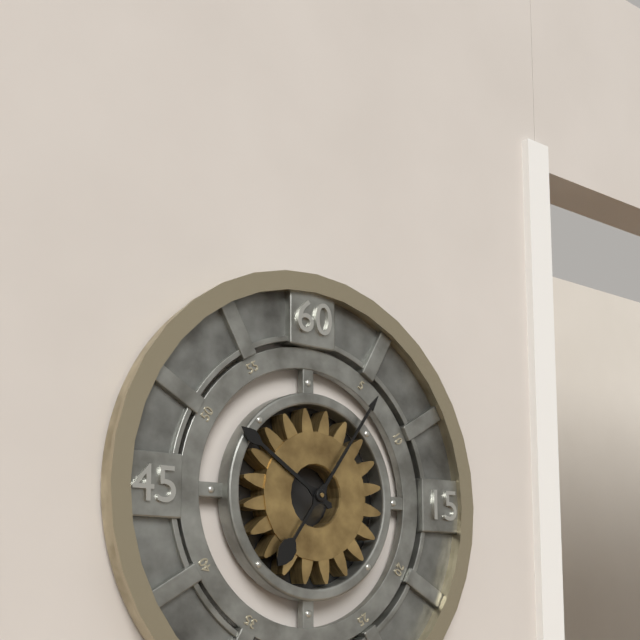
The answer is **10:06**
